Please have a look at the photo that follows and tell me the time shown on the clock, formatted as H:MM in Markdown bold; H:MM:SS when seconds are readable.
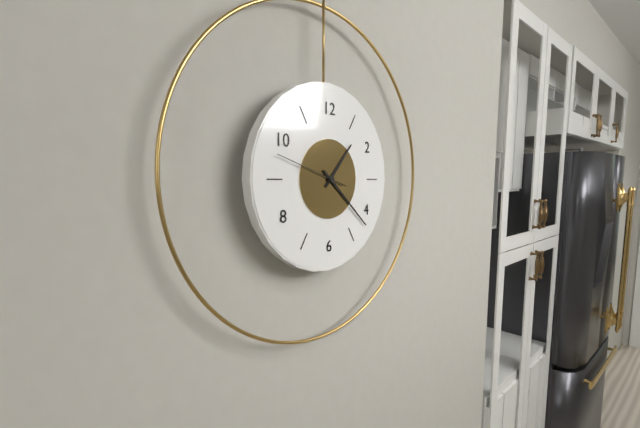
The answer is **1:22:48**
